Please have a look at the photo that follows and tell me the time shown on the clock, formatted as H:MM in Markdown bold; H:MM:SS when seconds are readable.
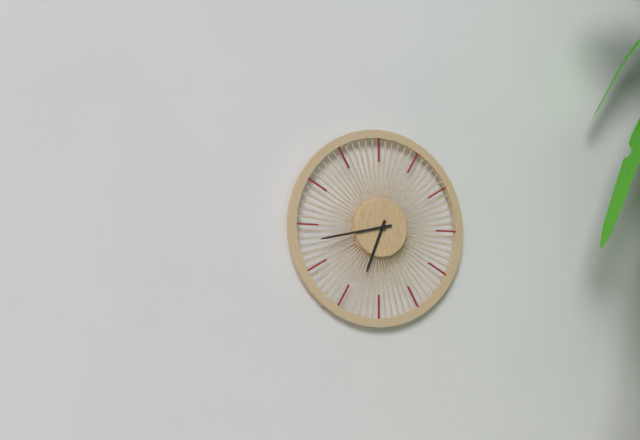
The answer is **6:43**
